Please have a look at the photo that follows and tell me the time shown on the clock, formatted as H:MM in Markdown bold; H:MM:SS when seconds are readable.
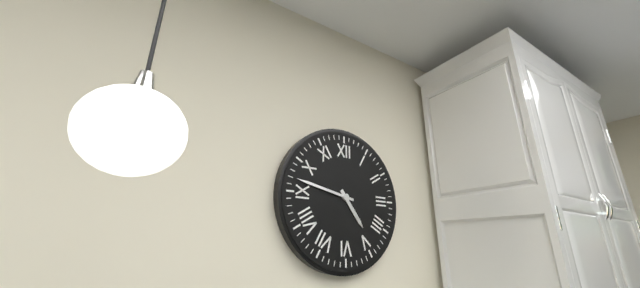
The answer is **4:47**
